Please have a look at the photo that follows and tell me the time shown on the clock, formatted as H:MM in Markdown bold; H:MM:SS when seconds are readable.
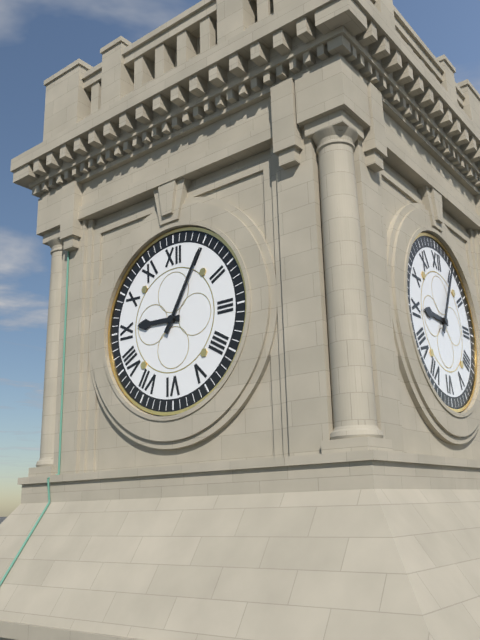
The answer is **9:05**
